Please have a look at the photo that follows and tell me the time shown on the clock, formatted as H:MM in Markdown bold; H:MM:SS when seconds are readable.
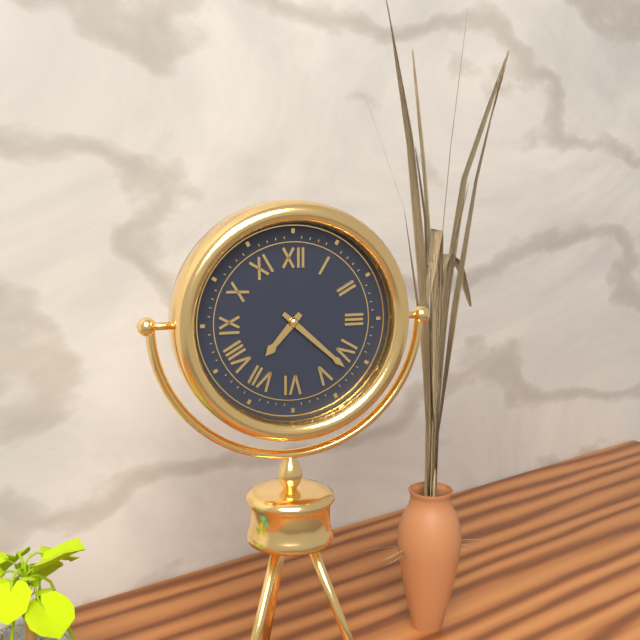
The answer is **7:22**
